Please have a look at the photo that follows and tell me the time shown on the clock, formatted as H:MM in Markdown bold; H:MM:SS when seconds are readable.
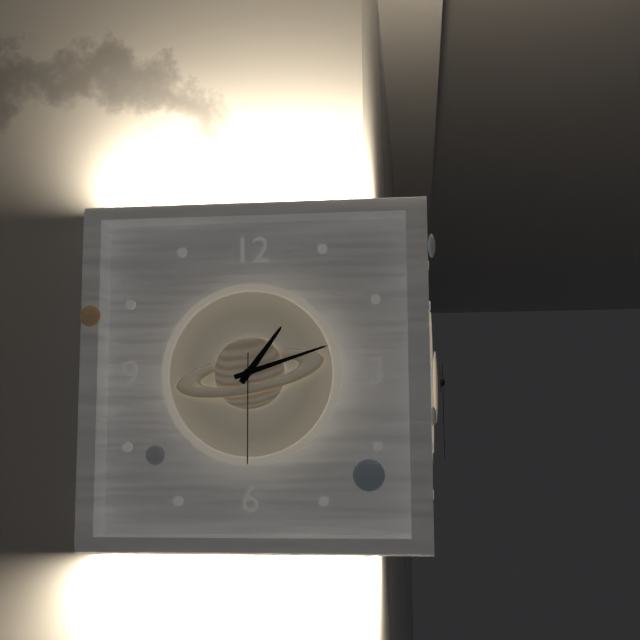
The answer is **1:12:30**
